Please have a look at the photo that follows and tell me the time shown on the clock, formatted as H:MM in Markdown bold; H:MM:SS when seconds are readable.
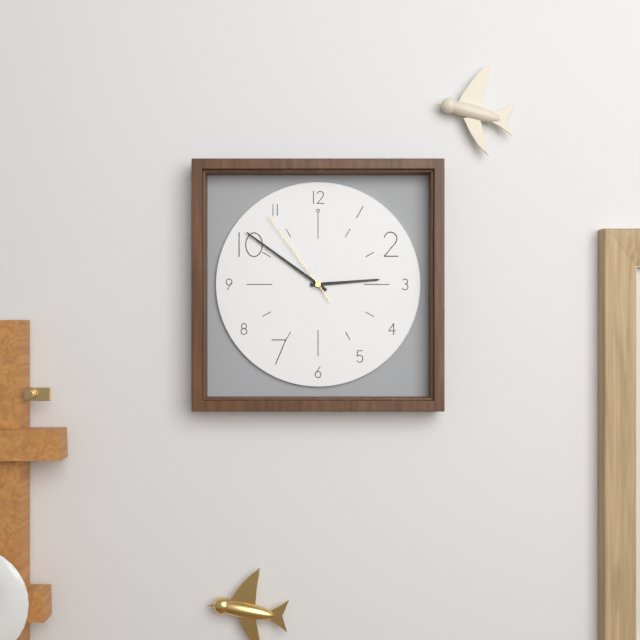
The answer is **2:51:54**
